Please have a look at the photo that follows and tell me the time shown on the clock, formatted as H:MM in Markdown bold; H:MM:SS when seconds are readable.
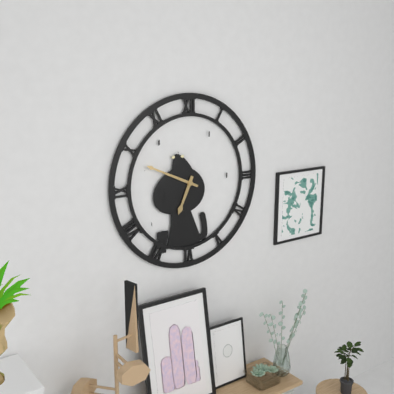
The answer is **6:49**
